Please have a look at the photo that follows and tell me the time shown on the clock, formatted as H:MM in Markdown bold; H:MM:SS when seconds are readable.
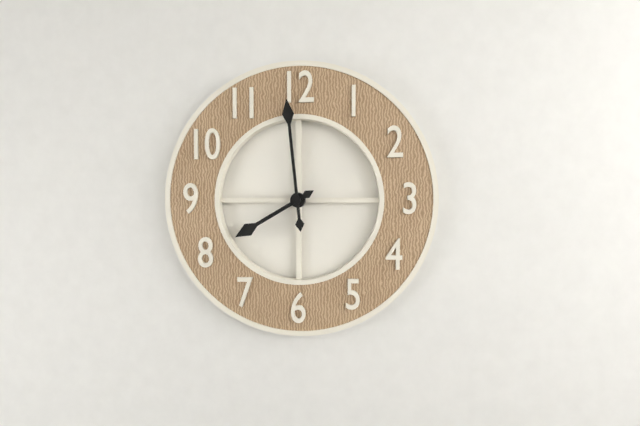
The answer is **7:59**
